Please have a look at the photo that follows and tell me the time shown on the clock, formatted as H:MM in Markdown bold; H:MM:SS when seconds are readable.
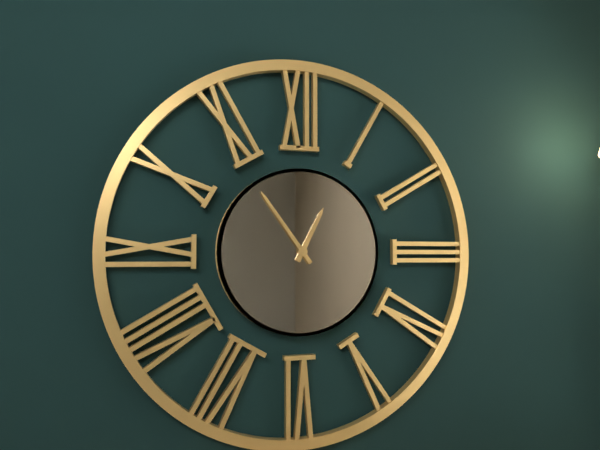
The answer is **12:54**
